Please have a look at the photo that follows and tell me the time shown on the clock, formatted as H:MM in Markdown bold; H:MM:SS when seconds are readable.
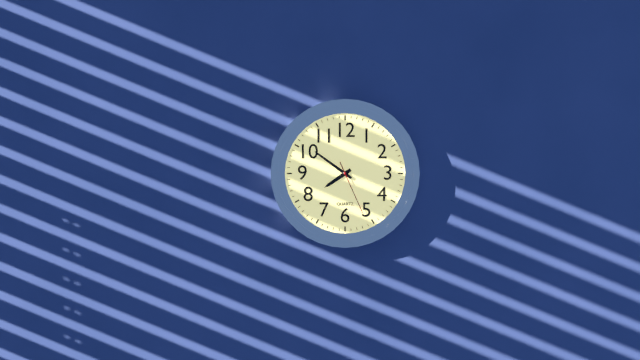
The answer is **7:51:26**
